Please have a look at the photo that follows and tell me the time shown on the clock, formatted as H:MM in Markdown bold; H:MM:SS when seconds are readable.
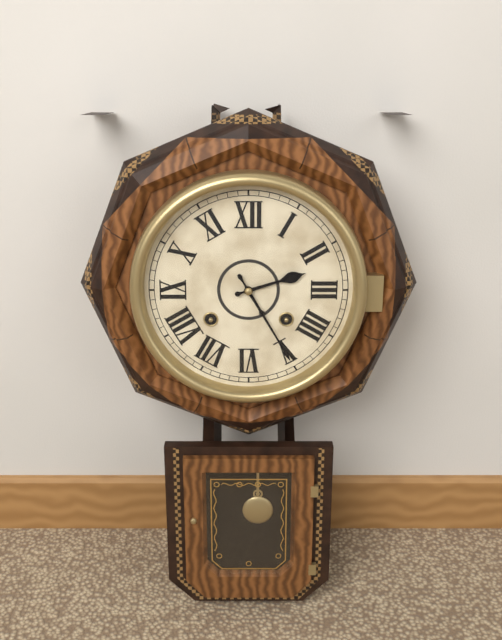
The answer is **2:25**
